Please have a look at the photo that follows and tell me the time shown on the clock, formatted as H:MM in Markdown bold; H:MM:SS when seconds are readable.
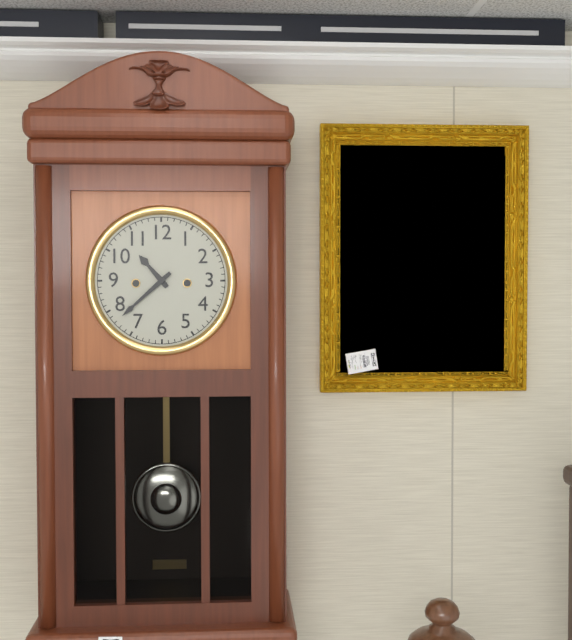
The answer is **10:38**
